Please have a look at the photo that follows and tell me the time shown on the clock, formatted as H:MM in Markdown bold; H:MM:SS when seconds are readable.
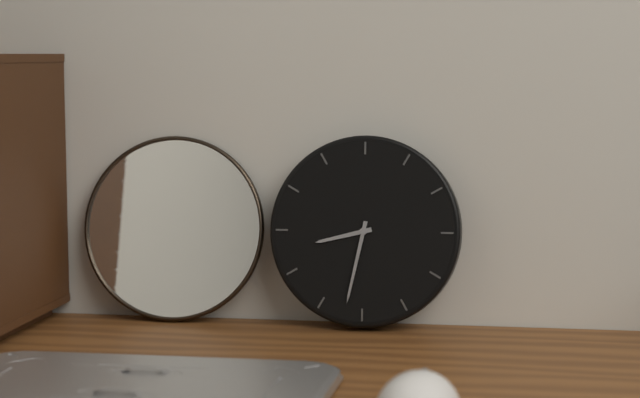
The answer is **8:32**
